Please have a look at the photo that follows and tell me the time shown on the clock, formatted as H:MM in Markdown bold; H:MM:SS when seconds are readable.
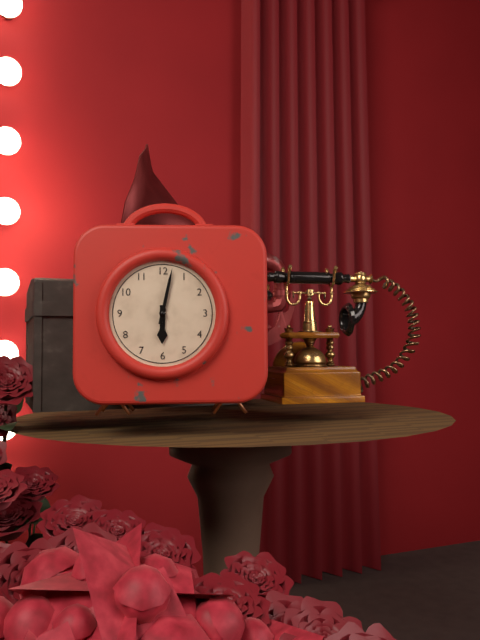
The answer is **6:02**
